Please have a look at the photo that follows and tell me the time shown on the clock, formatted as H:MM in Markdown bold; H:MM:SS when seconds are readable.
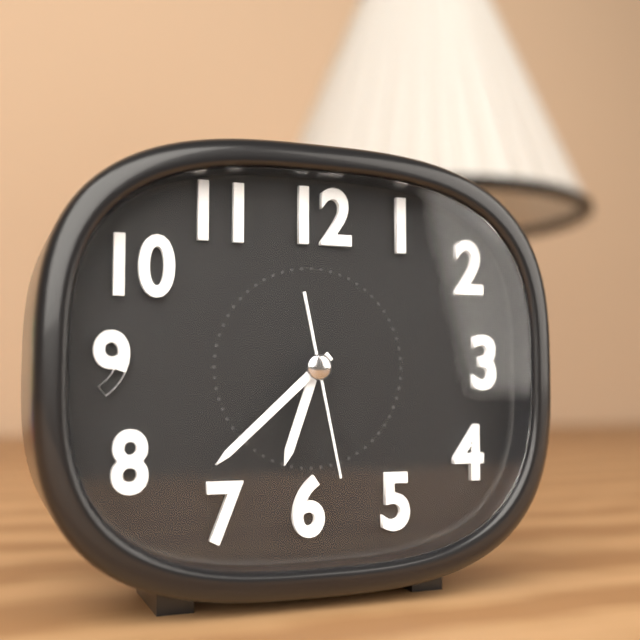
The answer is **6:38:28**
